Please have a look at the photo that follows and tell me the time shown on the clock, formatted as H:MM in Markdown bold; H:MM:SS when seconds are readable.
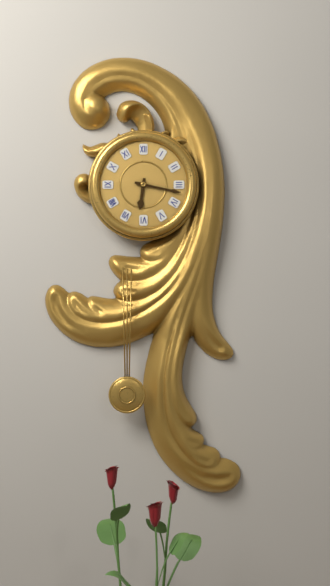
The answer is **6:17**
